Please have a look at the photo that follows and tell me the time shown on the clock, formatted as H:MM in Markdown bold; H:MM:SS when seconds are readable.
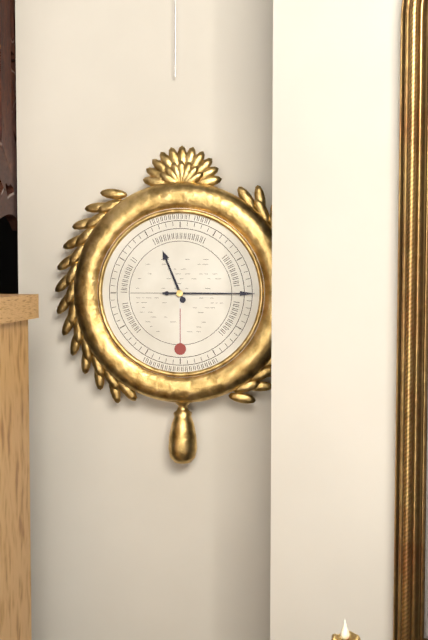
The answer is **11:15**
